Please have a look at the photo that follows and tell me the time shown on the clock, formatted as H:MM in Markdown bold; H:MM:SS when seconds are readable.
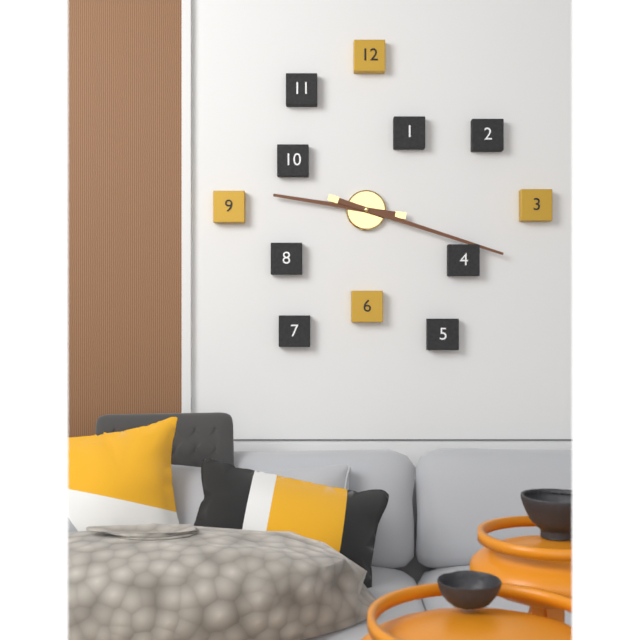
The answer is **9:18**
